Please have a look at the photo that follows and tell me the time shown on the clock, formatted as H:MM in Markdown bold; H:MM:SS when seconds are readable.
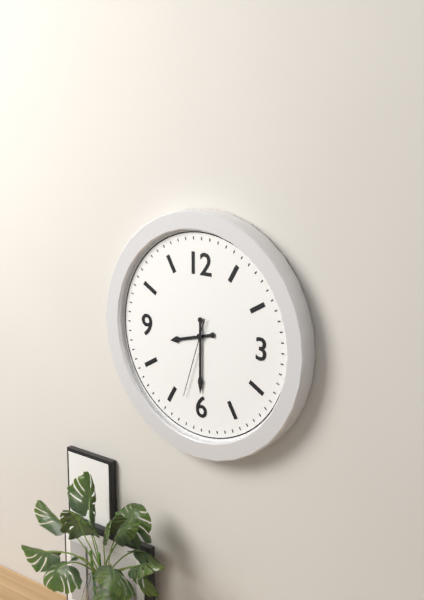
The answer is **8:30:33**
